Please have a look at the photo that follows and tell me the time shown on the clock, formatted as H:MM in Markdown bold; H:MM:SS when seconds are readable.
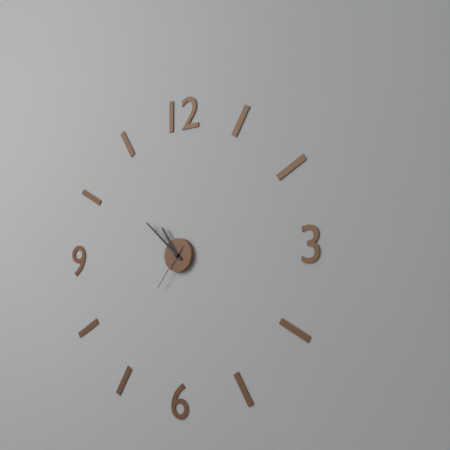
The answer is **10:52:36**
